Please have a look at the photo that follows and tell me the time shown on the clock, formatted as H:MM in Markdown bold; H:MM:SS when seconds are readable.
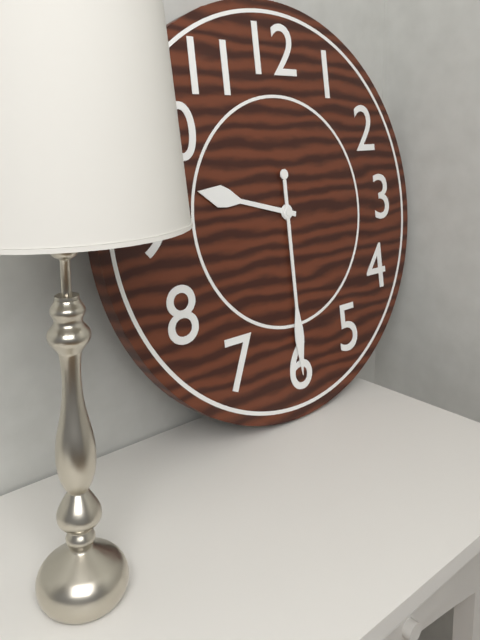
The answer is **9:30**
